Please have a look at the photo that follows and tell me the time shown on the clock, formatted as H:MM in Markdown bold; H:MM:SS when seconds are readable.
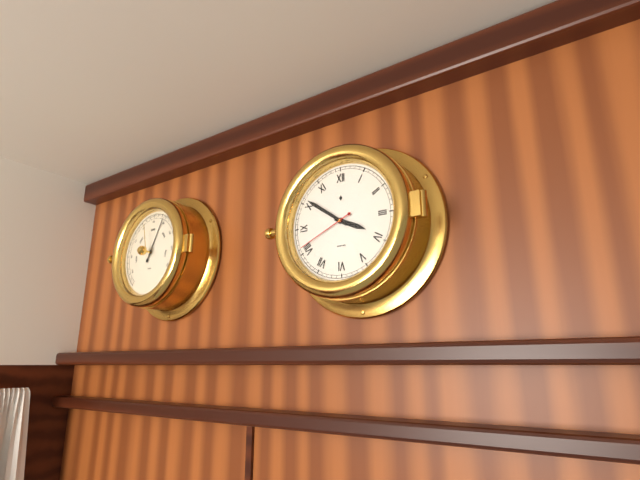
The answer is **3:51:41**
